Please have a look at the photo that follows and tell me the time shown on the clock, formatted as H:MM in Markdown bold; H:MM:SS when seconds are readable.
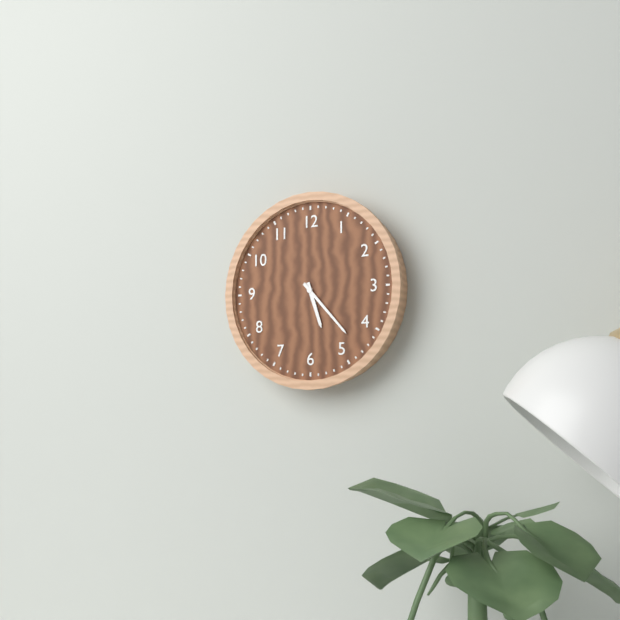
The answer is **5:23**
